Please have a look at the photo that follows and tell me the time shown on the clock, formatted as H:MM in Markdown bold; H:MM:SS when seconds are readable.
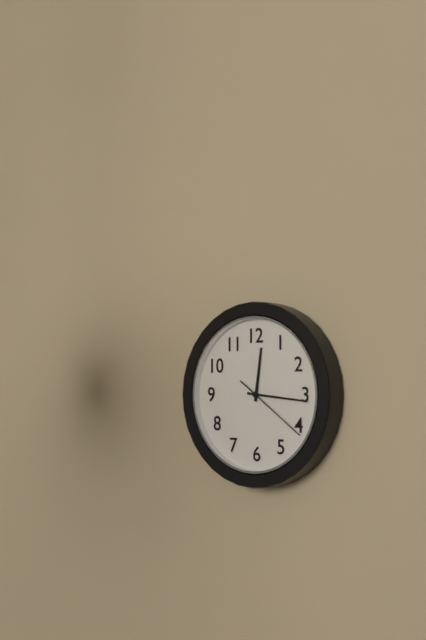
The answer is **12:16:21**
